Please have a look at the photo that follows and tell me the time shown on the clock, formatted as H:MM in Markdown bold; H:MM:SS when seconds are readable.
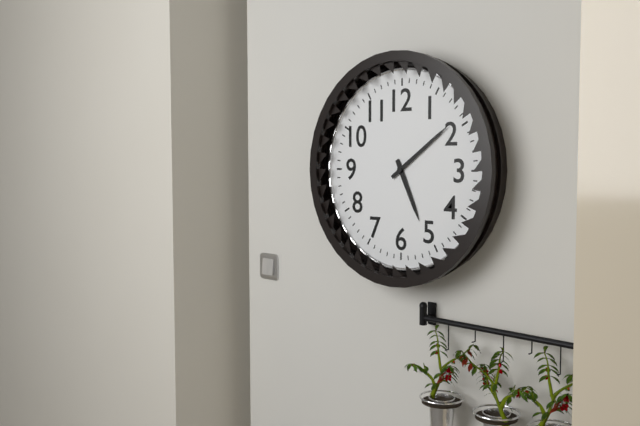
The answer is **5:09**
